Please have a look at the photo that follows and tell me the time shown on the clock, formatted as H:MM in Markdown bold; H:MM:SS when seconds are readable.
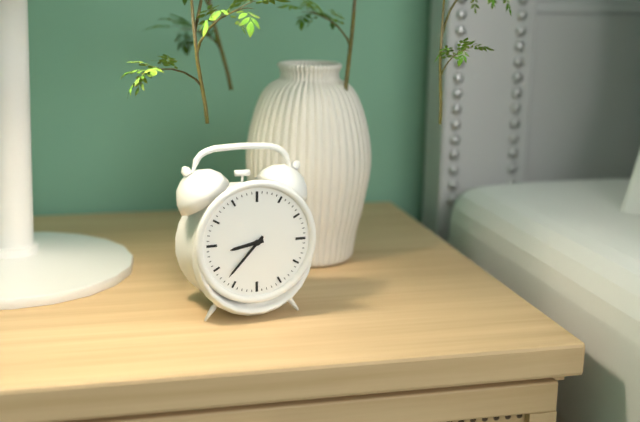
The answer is **8:37**
